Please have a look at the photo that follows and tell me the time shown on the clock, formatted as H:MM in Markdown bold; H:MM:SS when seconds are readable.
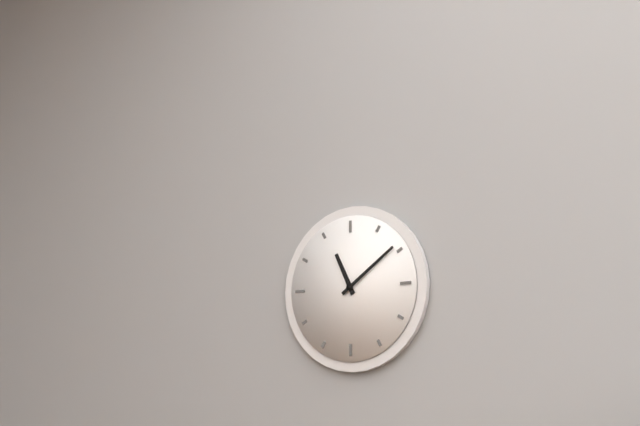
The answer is **11:09**
